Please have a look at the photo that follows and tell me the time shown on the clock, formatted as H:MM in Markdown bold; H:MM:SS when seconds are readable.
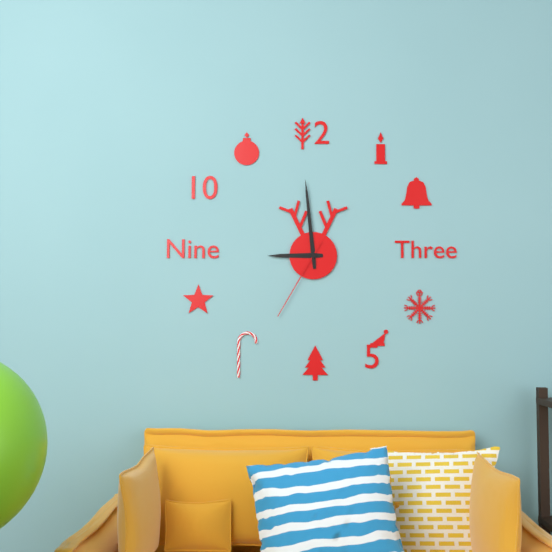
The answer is **8:59:35**
